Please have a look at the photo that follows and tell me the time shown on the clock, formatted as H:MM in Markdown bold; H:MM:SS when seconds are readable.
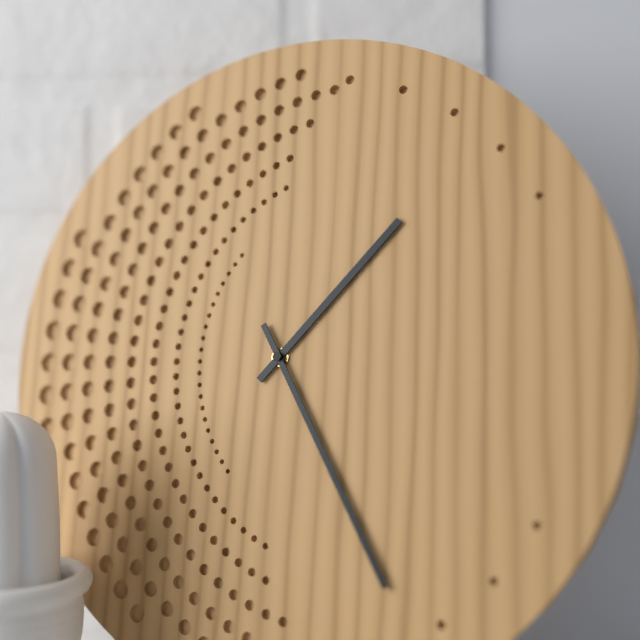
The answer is **1:25**
